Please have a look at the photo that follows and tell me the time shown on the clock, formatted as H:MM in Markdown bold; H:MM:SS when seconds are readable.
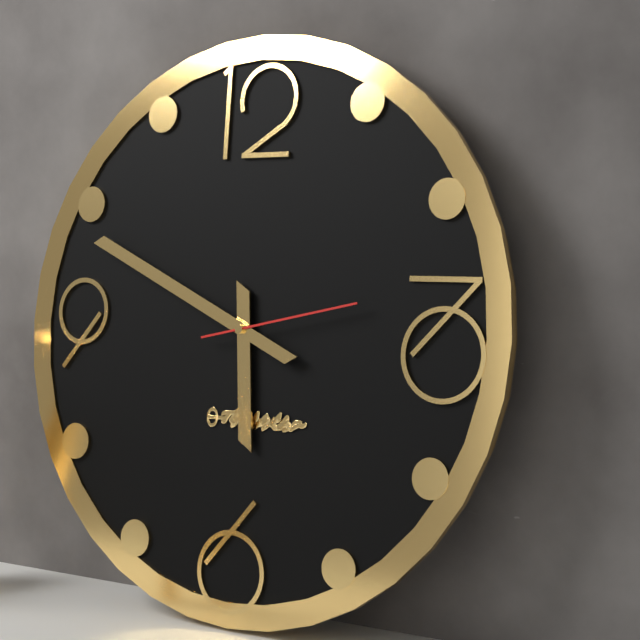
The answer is **5:49:13**
